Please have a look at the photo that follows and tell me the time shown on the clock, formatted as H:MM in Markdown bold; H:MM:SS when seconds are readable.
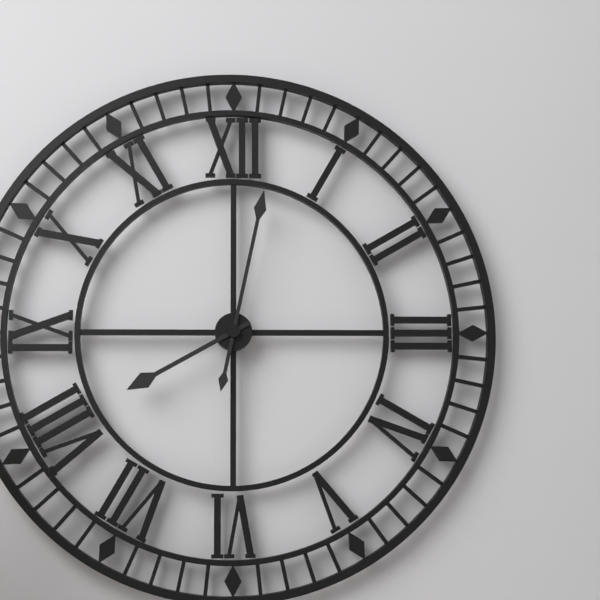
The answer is **8:02**
